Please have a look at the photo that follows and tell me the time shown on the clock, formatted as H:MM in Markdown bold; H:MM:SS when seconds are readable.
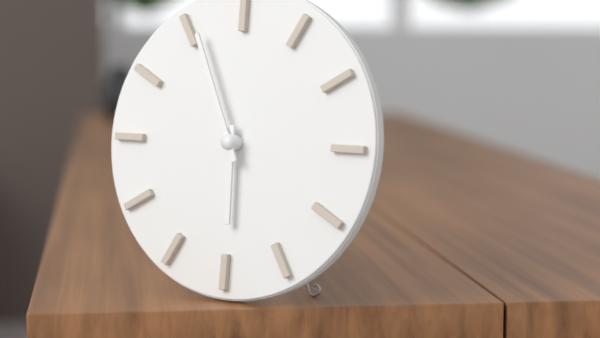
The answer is **5:56**
